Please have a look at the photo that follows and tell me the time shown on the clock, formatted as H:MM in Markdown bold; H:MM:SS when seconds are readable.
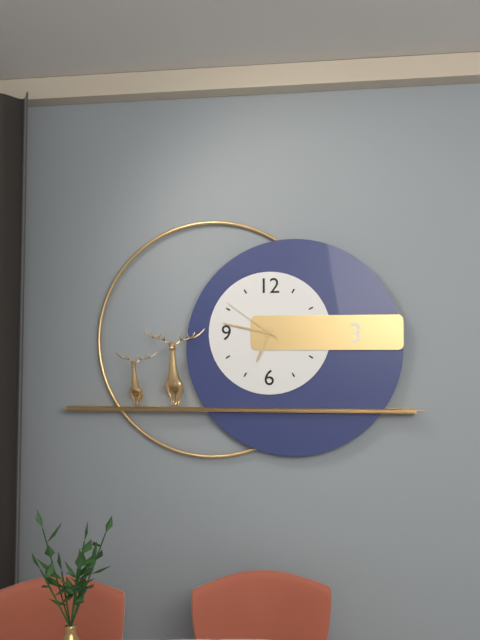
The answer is **6:47:51**
